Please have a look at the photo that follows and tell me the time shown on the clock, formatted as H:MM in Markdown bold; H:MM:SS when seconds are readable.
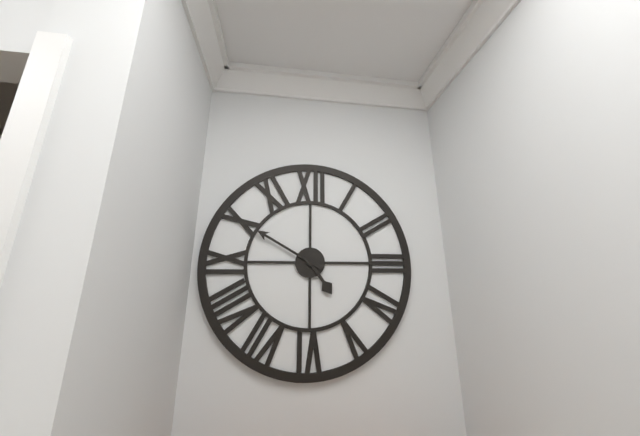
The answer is **4:50**
